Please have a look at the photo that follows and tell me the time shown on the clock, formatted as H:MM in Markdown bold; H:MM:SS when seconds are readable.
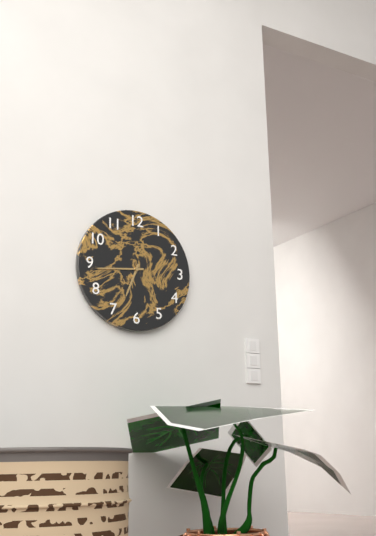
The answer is **6:44**
